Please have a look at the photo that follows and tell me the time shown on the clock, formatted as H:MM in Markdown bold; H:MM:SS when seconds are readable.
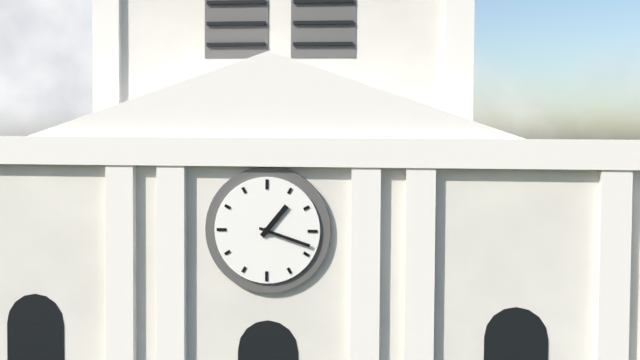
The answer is **1:18**
